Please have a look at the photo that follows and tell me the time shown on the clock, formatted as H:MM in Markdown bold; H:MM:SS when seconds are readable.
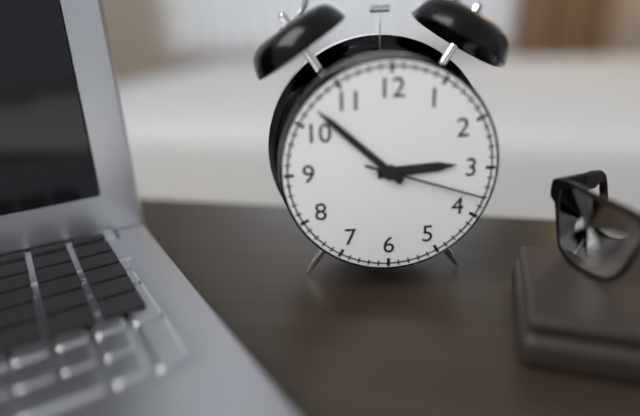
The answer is **2:52:18**
